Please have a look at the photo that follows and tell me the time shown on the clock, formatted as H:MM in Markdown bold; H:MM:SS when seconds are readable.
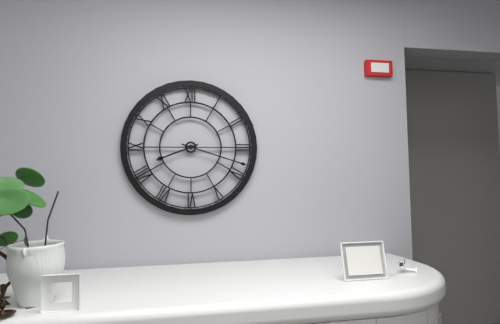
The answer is **8:18**
